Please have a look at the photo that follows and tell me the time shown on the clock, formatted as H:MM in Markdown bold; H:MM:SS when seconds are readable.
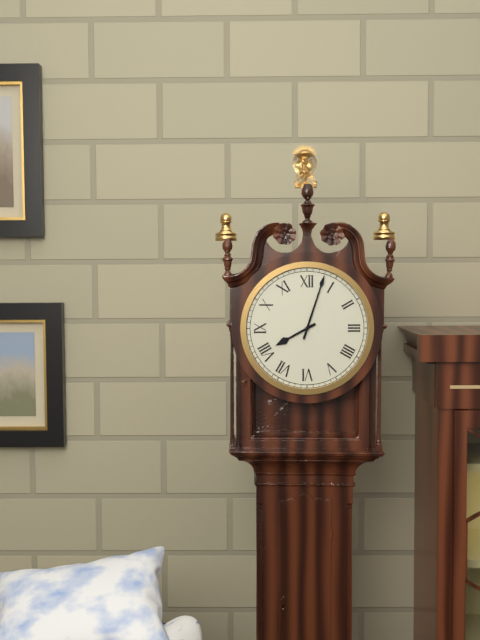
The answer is **8:03**
